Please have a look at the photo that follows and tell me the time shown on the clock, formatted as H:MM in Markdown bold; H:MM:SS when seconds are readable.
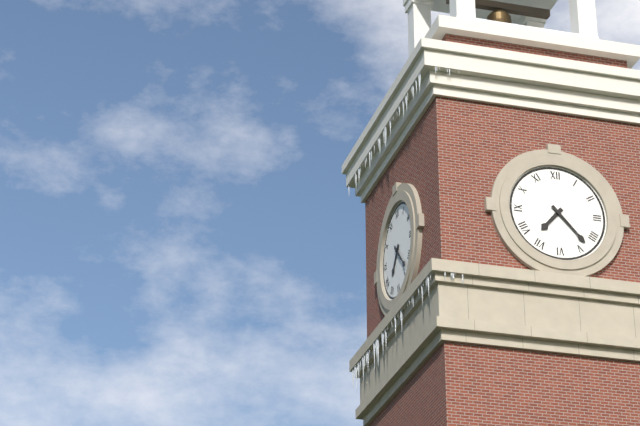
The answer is **7:23**
